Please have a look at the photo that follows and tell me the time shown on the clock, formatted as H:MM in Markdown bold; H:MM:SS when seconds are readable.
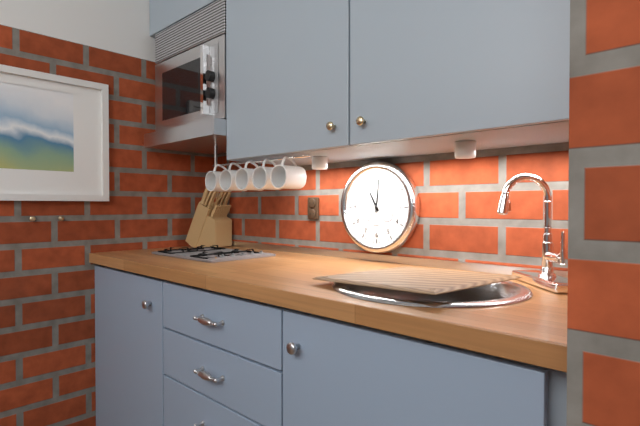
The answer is **11:01**
